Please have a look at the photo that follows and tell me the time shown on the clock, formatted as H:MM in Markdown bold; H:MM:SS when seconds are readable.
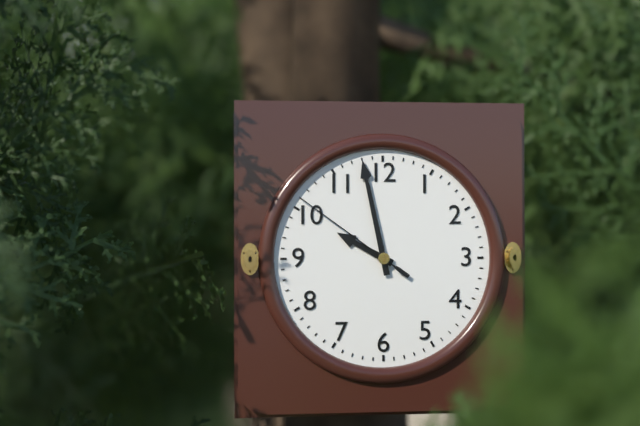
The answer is **9:58:51**
